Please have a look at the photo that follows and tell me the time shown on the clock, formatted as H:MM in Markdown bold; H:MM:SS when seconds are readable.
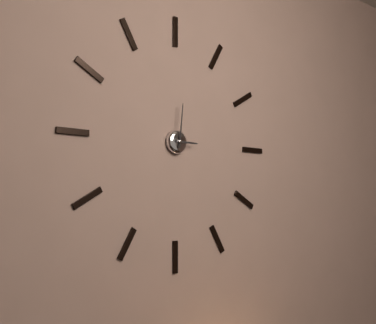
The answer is **3:01**
